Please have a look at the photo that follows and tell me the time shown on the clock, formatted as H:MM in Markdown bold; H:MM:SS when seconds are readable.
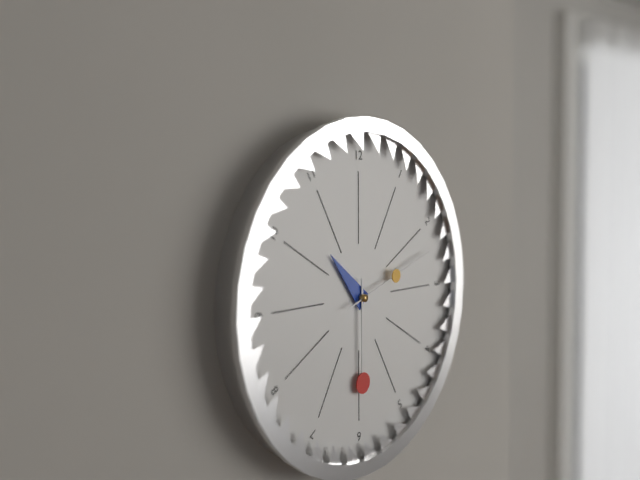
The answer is **10:30:12**
